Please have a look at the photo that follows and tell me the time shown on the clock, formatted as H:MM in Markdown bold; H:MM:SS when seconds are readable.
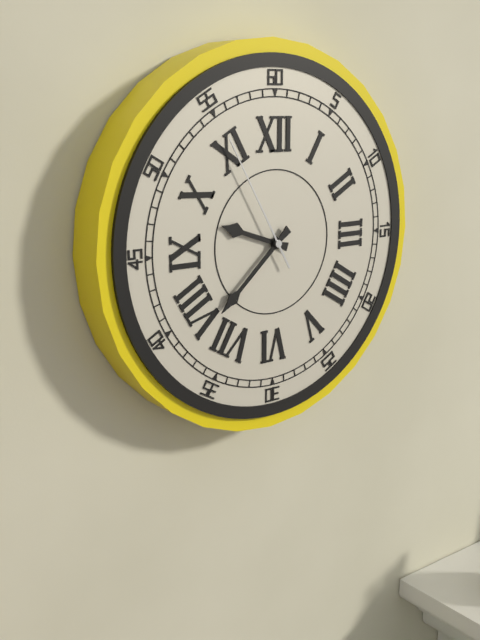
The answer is **9:38:55**
